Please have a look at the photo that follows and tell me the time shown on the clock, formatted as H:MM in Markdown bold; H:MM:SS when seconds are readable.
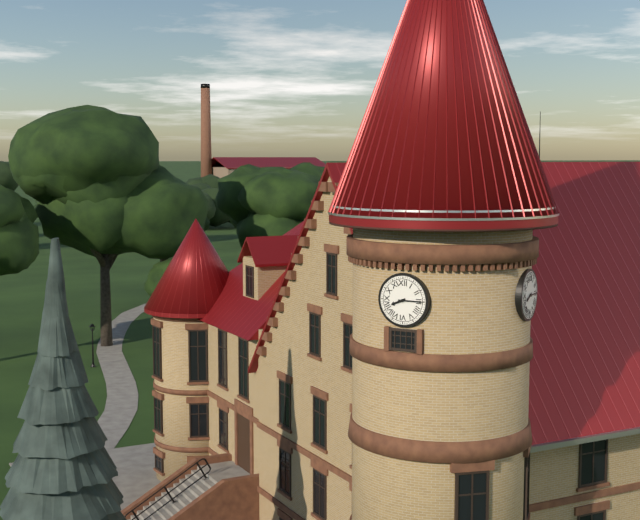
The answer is **8:15**
